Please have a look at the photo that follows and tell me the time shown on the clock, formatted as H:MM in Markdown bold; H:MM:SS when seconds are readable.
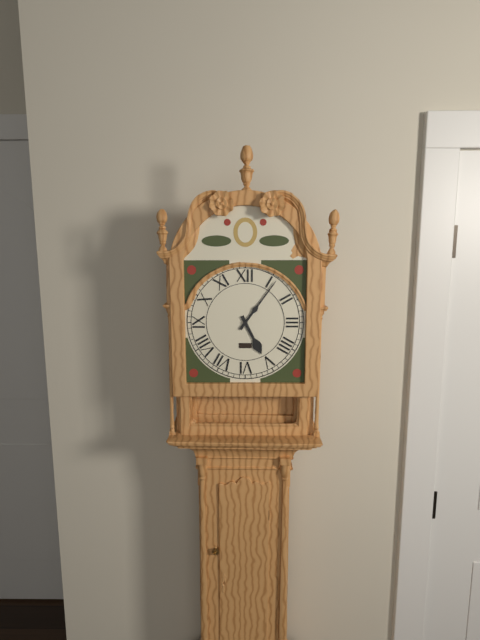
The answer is **5:06**
